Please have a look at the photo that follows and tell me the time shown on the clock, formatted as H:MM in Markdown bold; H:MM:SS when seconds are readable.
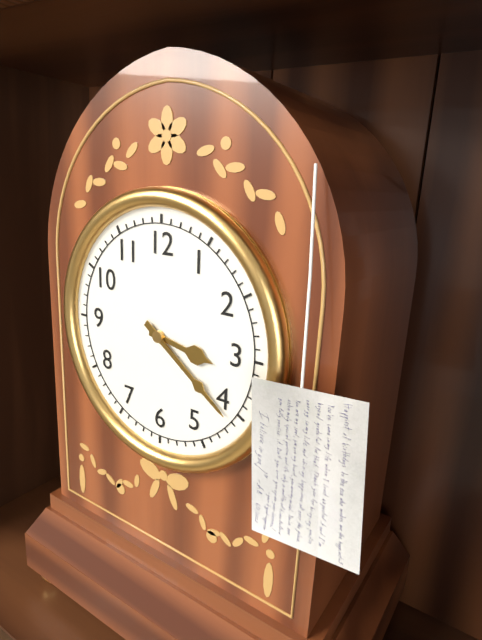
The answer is **3:21**
